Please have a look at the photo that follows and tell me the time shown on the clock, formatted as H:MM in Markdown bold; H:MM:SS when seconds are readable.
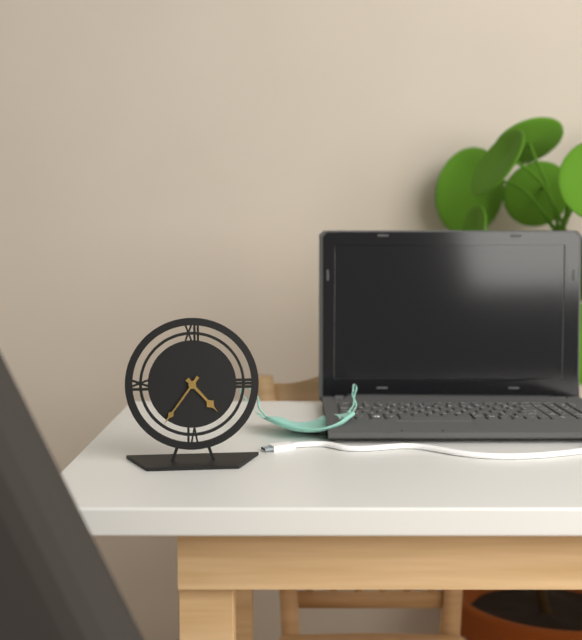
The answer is **4:36**
